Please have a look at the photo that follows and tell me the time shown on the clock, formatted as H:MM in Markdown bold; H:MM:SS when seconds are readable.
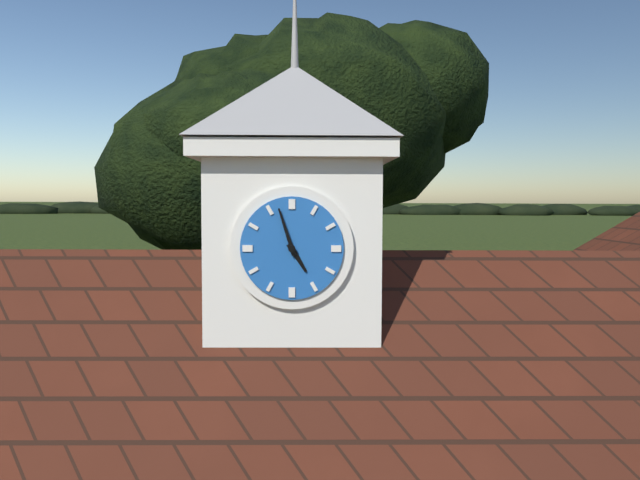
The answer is **4:57**
